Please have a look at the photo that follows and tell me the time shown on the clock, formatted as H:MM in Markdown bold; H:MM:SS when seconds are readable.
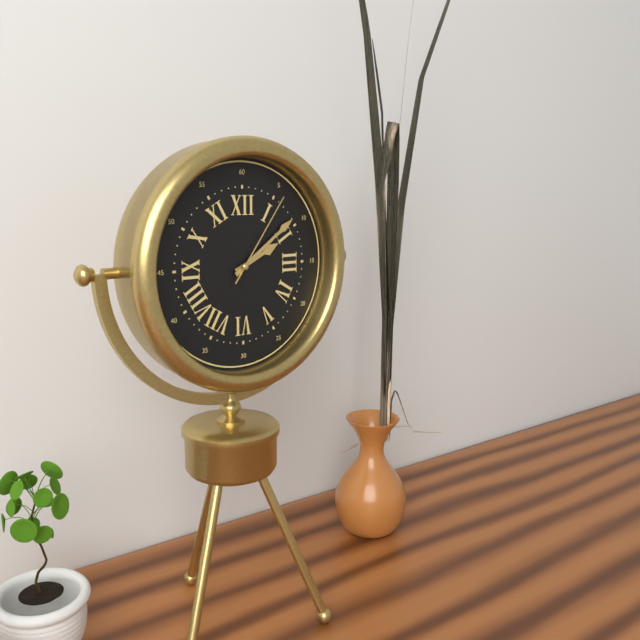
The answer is **2:09:06**
